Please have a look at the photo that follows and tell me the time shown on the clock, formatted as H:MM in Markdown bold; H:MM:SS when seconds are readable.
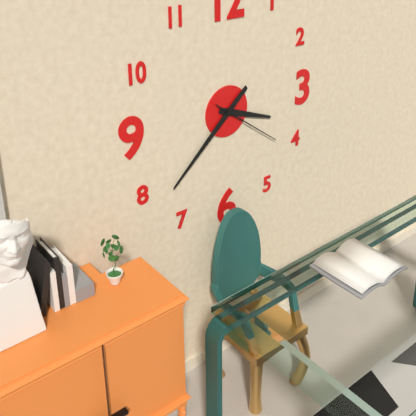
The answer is **3:38:21**
